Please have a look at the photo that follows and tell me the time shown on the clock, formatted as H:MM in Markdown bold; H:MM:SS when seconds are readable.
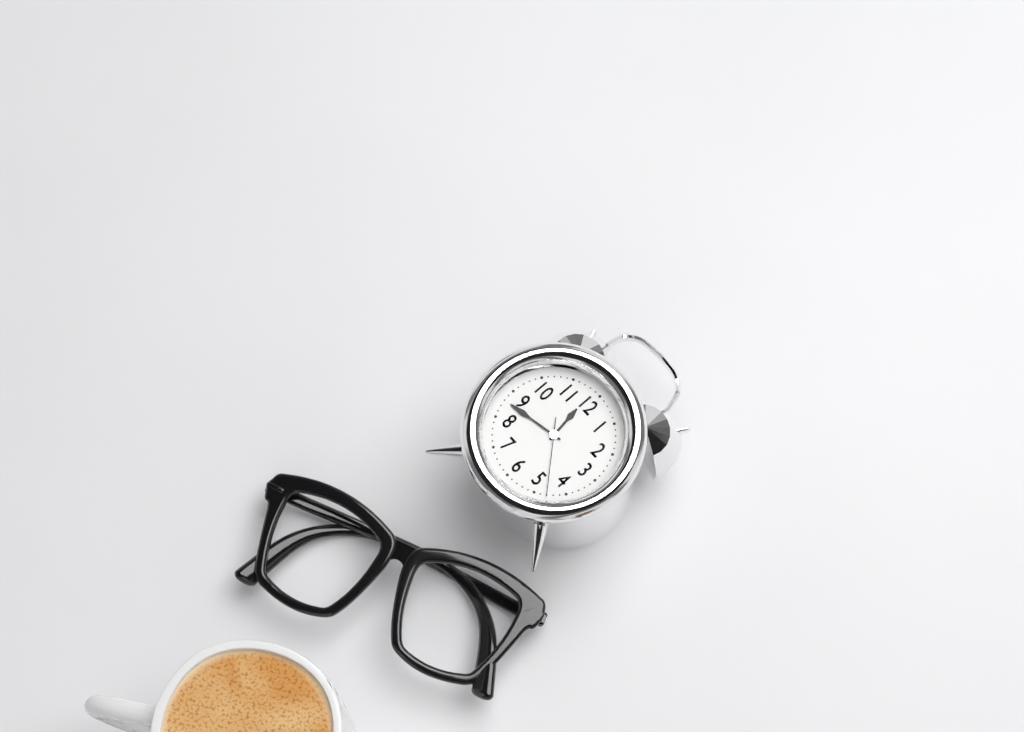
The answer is **11:43:23**
